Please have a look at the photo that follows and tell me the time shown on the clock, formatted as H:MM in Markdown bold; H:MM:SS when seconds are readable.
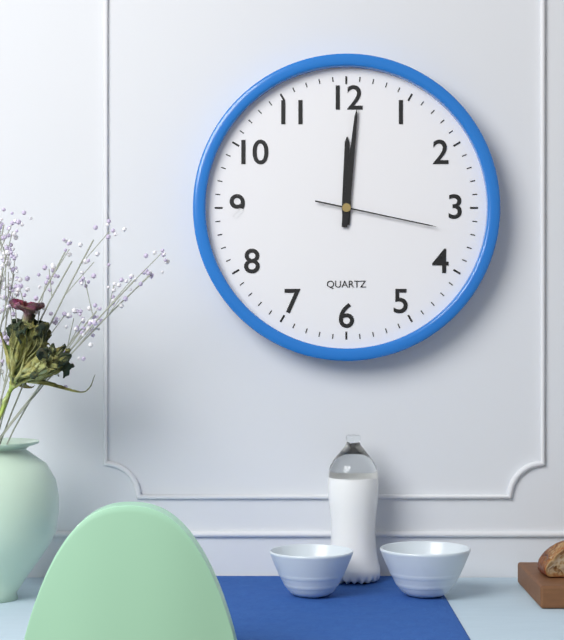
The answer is **12:01:17**
